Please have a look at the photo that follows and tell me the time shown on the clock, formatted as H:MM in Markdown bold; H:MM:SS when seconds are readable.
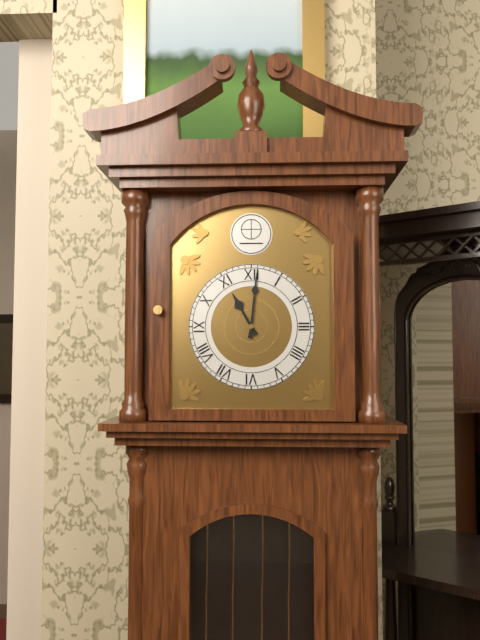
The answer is **11:01**
